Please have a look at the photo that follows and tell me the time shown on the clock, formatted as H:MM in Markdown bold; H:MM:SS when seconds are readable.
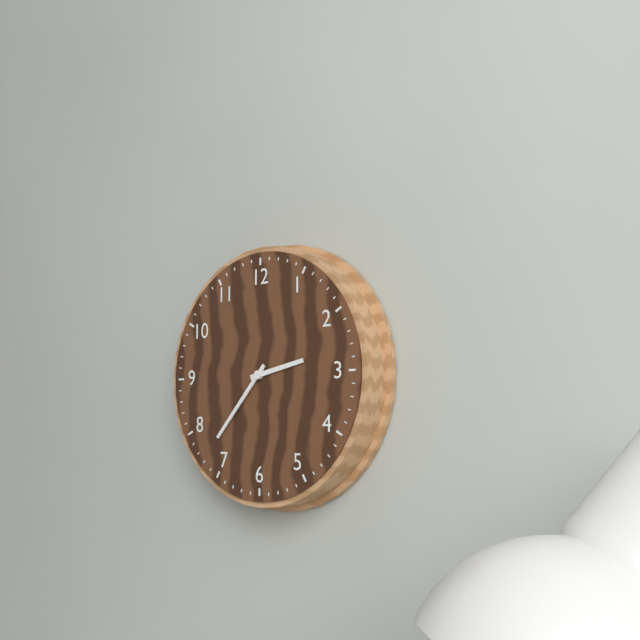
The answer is **2:37**
